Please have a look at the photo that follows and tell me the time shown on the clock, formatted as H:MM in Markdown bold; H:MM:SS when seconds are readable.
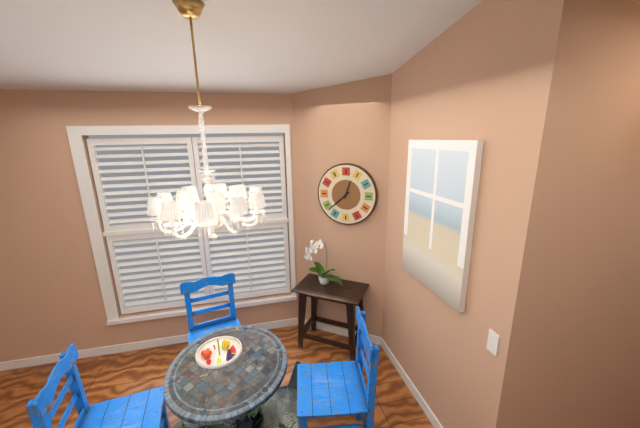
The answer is **12:38**
